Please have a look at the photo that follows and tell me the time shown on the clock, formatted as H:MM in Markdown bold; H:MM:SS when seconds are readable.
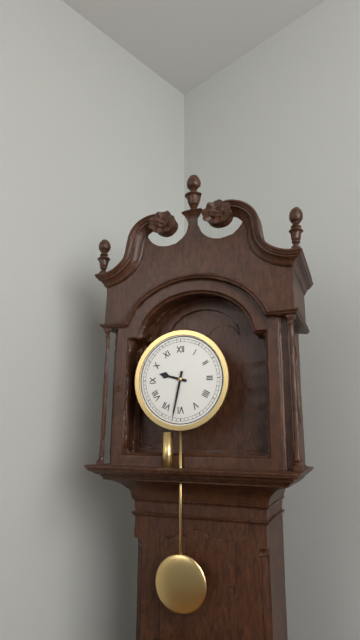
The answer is **9:32**
